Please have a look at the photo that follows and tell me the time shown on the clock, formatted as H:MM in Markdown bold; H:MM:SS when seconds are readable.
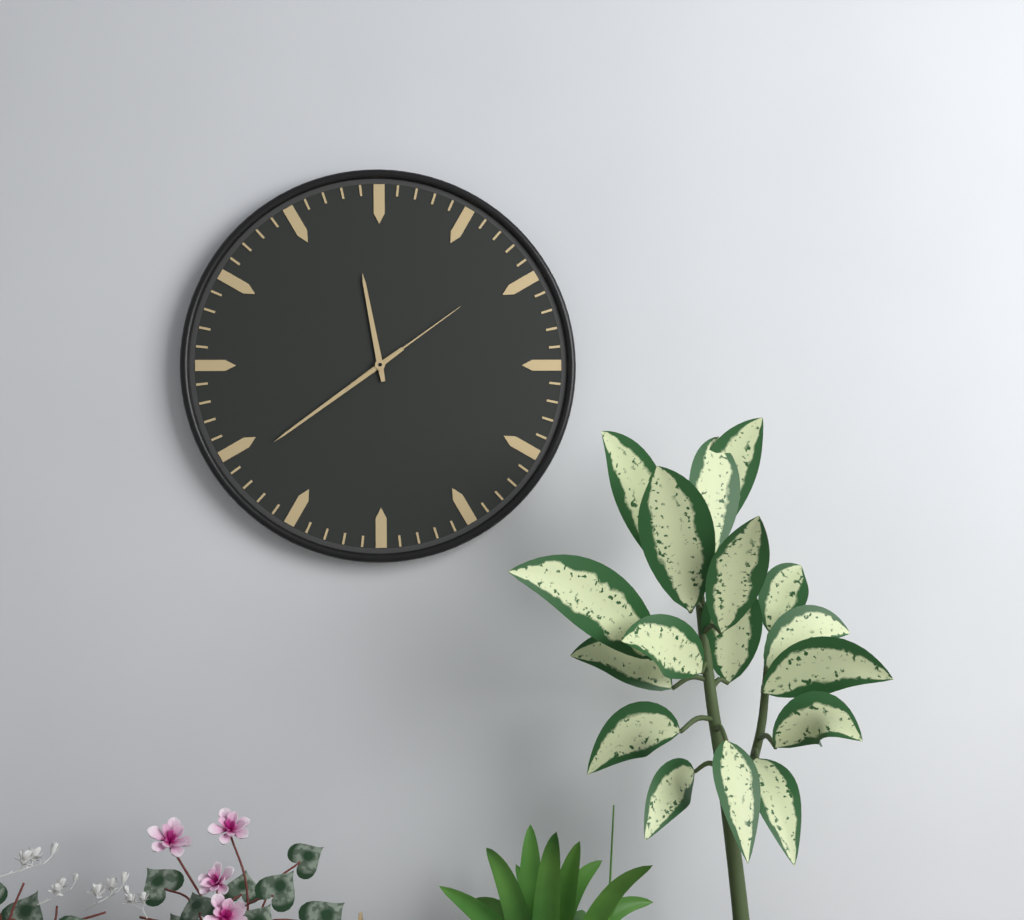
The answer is **11:39:09**
